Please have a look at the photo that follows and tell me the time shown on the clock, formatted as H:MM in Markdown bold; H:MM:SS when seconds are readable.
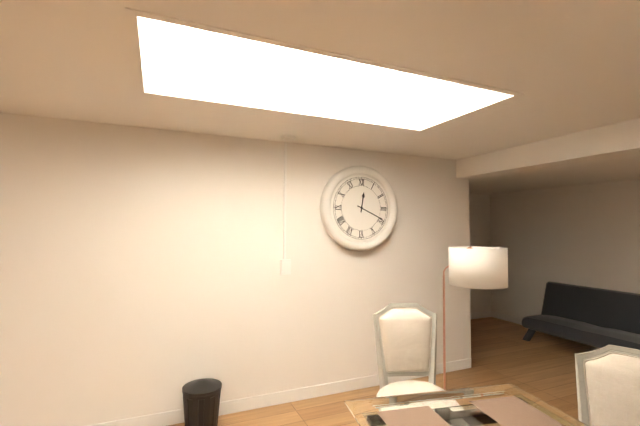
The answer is **12:19**
